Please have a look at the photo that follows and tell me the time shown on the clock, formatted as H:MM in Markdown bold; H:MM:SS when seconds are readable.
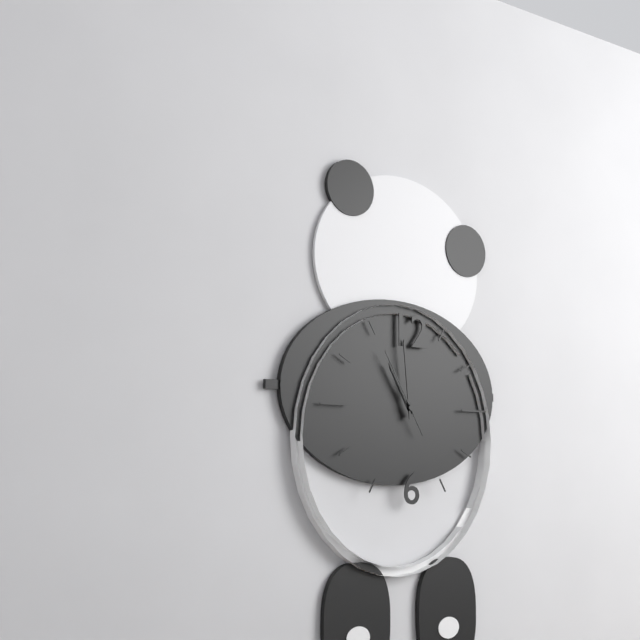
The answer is **10:59:55**
